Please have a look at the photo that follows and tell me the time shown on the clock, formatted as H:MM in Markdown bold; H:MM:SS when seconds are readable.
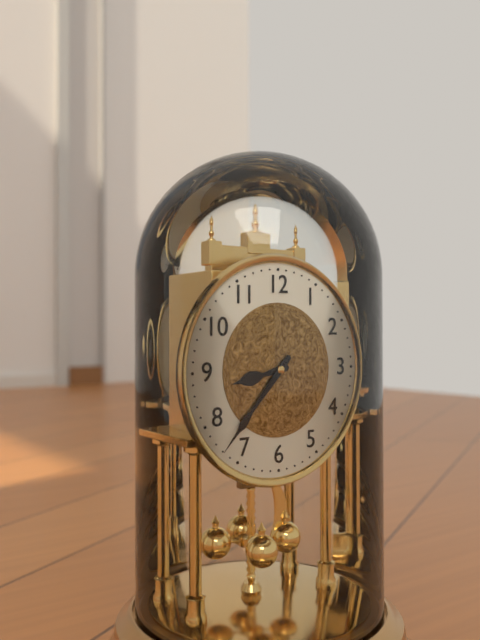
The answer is **8:37**
